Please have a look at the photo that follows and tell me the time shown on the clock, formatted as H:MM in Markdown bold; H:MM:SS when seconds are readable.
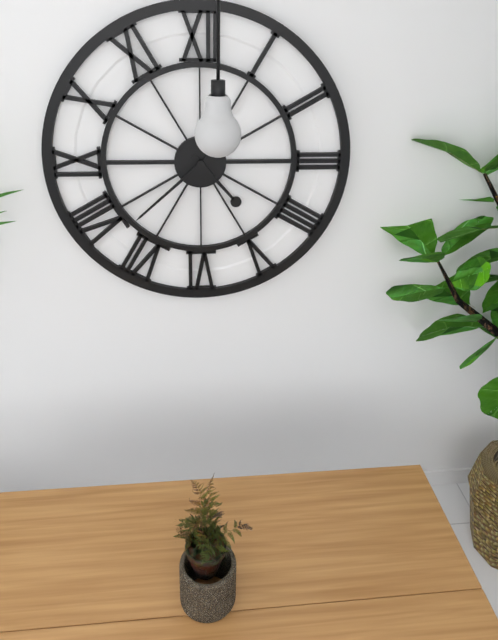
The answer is **4:38**
